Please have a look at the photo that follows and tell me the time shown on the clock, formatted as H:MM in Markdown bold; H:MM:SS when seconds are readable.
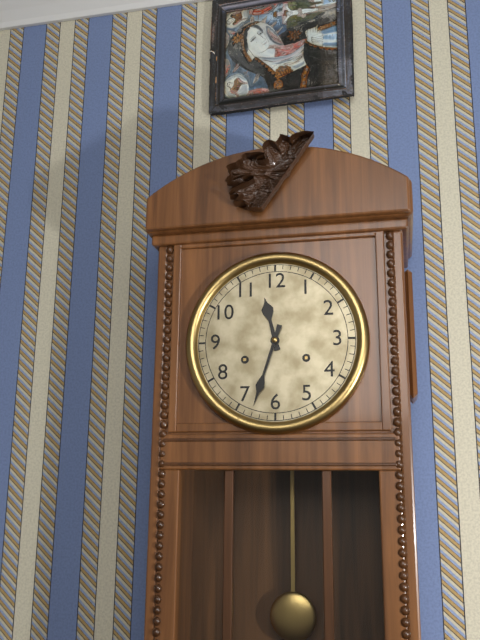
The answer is **11:33**
